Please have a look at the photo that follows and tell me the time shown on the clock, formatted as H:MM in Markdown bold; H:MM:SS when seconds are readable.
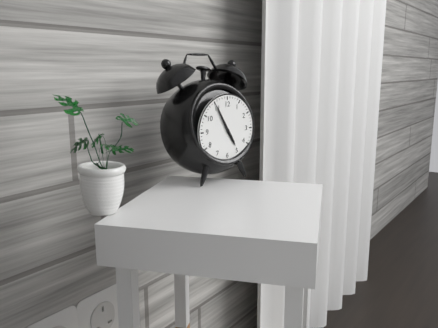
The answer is **4:55**
